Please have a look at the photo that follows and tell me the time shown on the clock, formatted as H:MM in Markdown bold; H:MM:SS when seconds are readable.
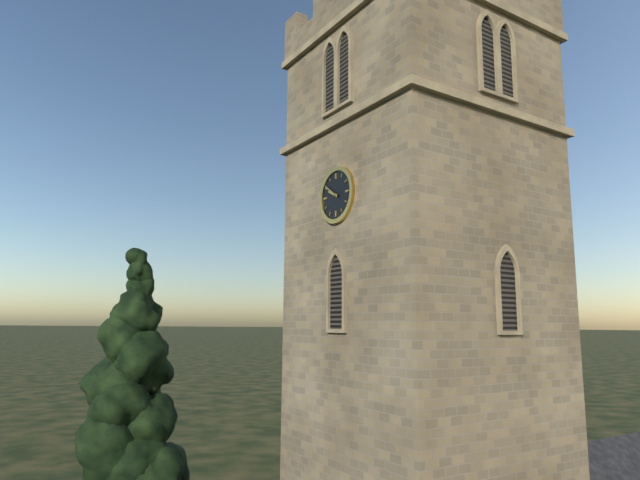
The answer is **9:51**
